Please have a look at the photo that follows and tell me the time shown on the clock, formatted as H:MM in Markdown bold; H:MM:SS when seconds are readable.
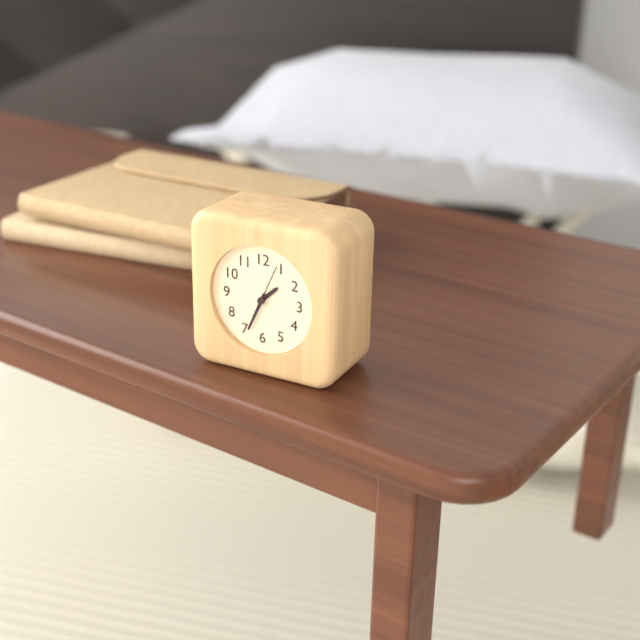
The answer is **1:34**
